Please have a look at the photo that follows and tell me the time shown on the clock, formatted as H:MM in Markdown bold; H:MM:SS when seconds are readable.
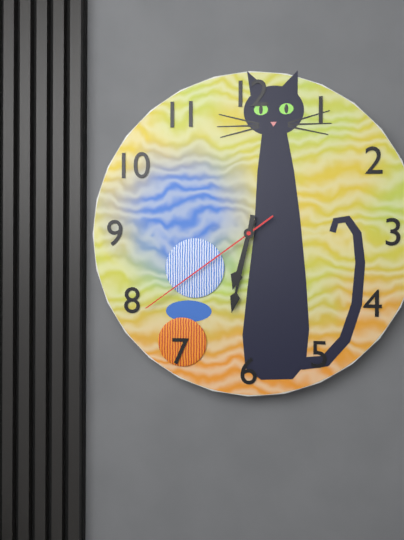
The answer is **6:32:39**
